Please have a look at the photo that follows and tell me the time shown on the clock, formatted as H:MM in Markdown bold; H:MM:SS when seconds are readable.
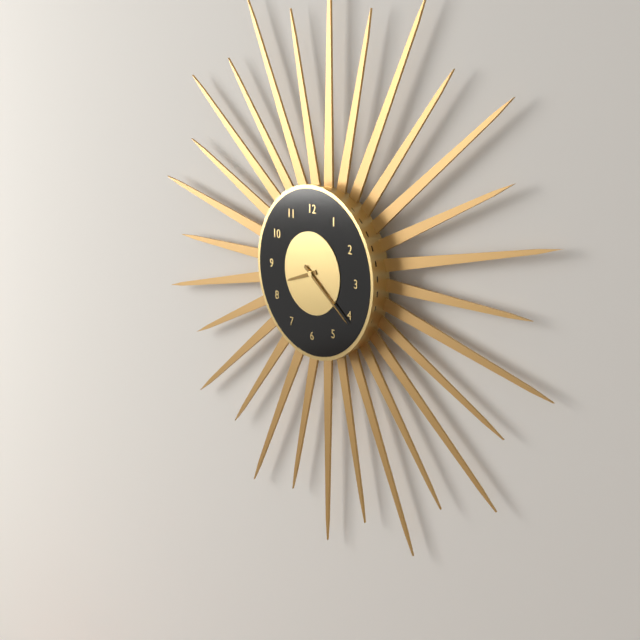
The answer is **8:21**
